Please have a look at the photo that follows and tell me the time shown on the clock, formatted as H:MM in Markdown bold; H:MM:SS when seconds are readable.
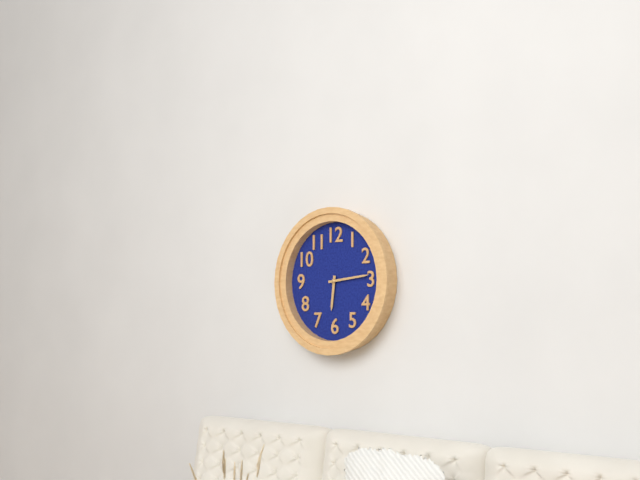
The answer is **6:14**
